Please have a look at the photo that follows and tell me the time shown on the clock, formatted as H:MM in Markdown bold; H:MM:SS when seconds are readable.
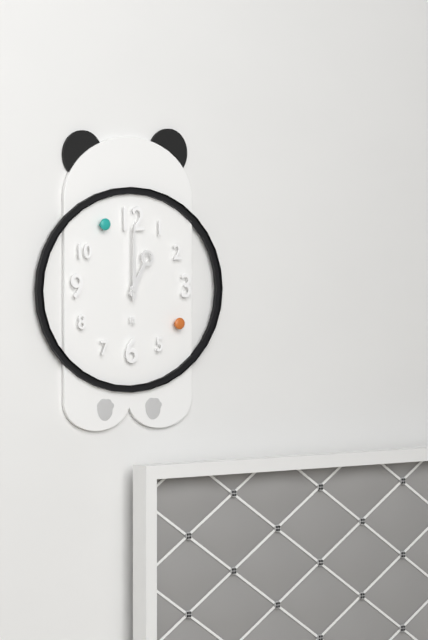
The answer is **1:00**
